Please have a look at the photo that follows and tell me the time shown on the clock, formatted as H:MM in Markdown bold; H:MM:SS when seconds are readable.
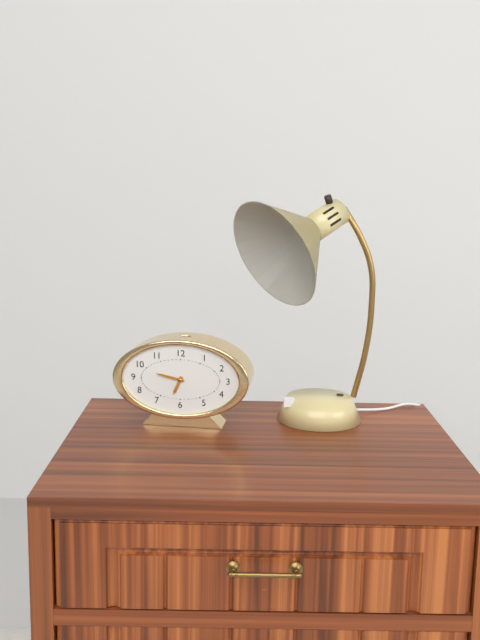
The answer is **6:47**
